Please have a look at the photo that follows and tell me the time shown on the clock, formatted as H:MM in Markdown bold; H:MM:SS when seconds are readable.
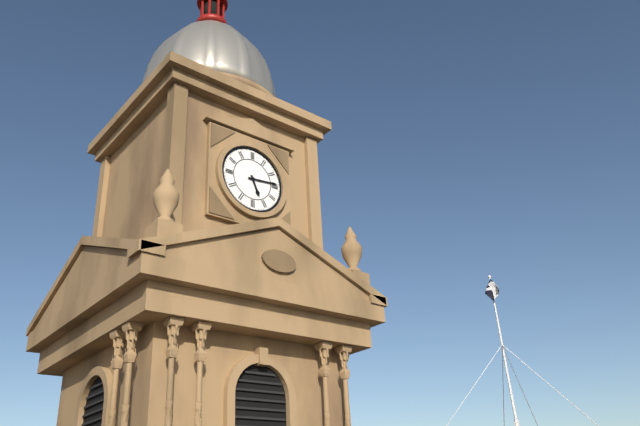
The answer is **5:14**
